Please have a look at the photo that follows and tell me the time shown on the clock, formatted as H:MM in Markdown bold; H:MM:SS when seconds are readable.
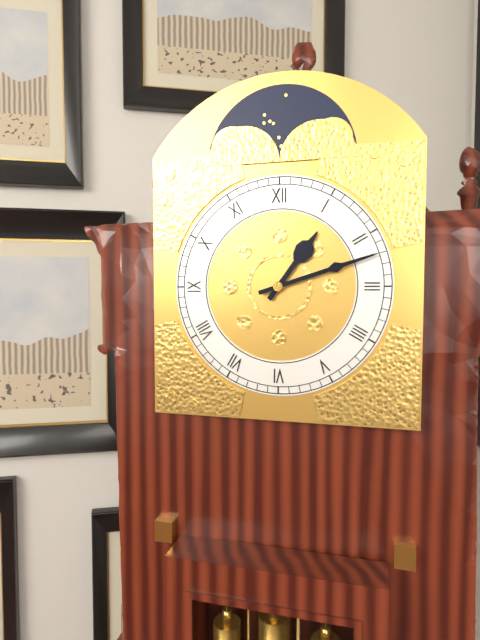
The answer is **1:12**
